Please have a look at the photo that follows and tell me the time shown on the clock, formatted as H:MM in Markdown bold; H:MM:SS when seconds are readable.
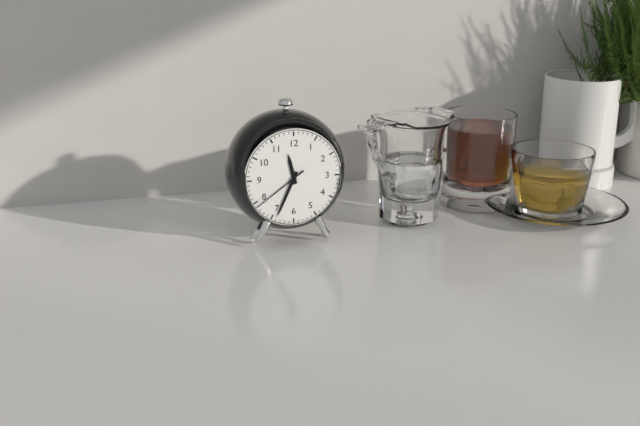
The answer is **11:34:39**
